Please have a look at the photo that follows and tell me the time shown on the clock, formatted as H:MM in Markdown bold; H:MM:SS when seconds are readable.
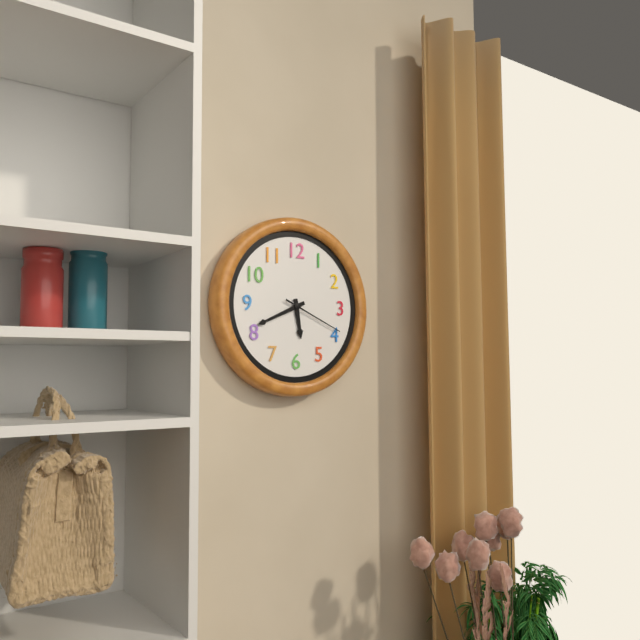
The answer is **5:41:19**
